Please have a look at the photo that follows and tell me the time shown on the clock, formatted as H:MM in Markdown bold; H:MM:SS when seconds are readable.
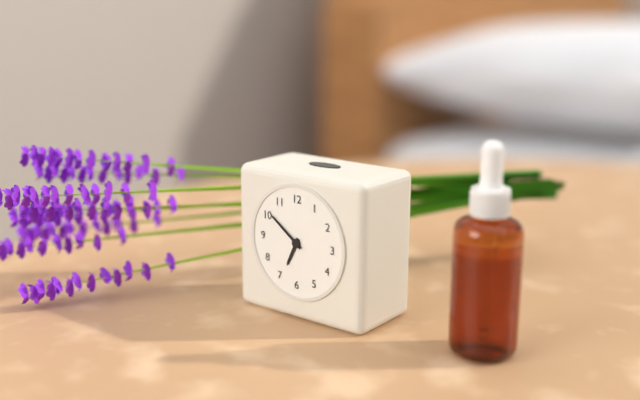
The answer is **6:51**
